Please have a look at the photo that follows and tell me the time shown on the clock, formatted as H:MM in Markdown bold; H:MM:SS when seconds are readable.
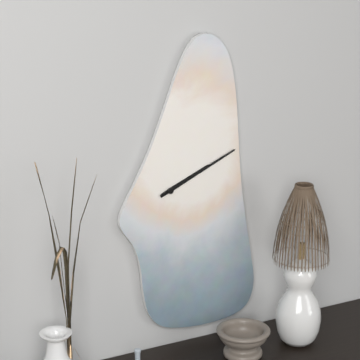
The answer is **2:11**
